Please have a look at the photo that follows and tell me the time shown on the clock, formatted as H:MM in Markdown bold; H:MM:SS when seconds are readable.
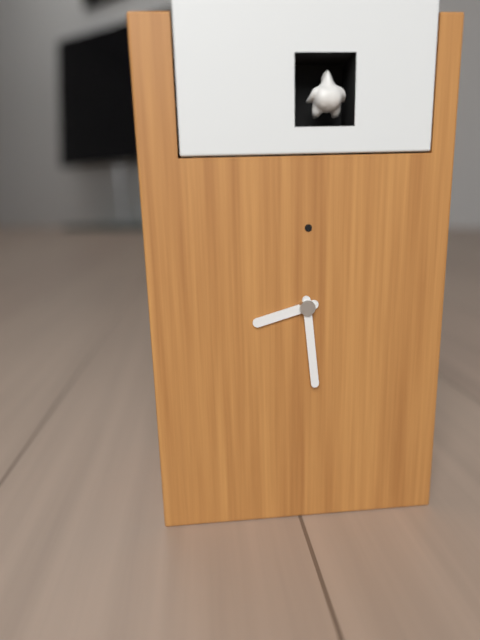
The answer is **8:29**
